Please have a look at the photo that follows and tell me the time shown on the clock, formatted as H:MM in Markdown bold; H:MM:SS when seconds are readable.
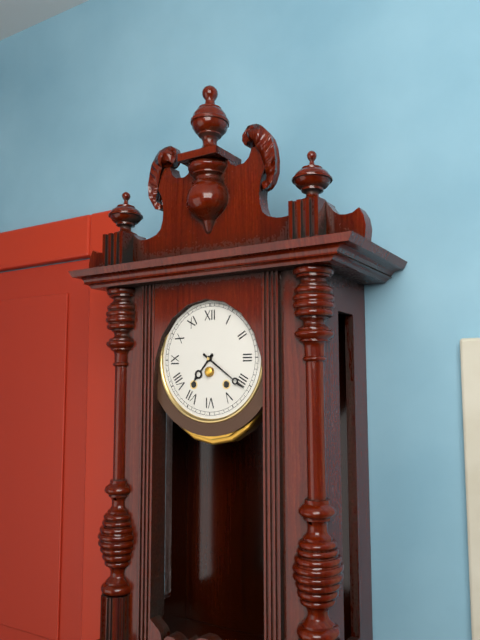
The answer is **7:21**
